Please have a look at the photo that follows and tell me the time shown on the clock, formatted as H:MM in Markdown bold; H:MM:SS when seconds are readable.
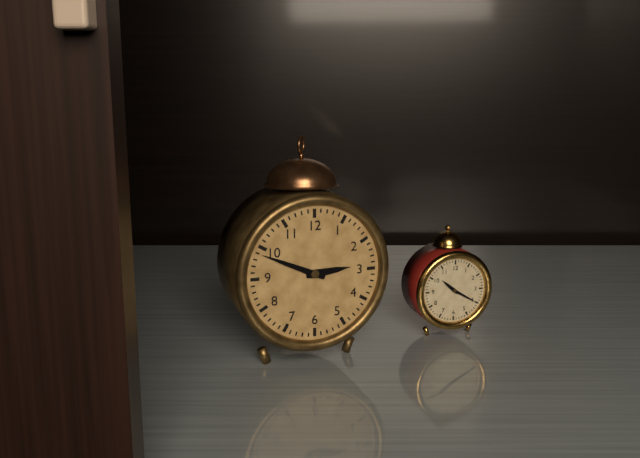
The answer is **2:49**
